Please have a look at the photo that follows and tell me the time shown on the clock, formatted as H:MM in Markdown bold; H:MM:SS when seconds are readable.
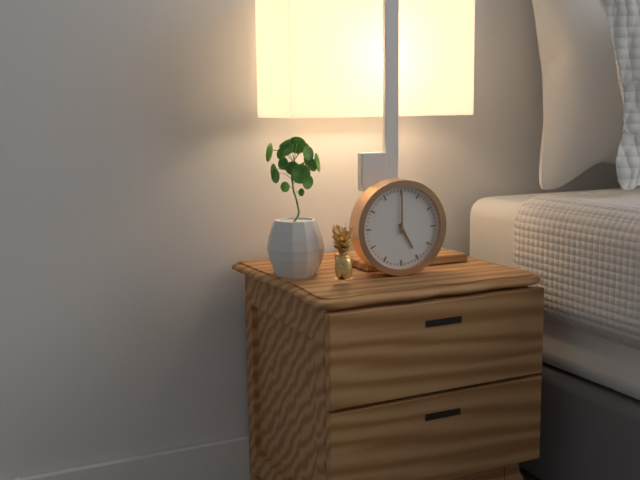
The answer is **5:00**
